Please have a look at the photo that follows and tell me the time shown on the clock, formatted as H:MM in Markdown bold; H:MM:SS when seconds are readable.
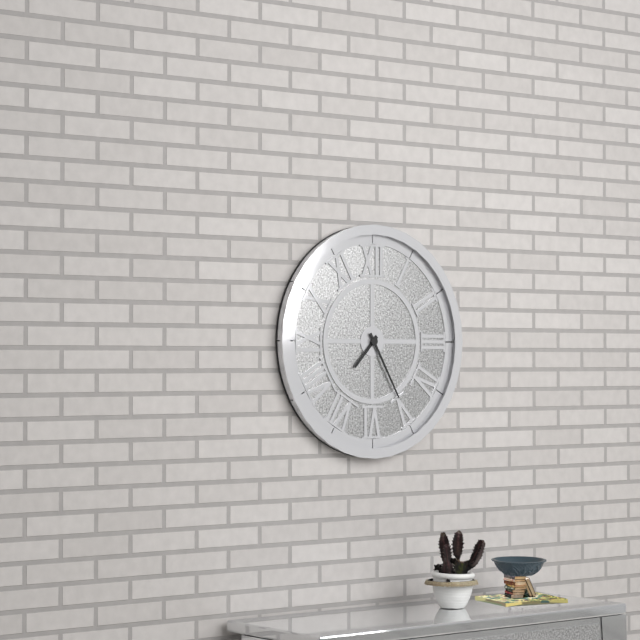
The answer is **7:25**
